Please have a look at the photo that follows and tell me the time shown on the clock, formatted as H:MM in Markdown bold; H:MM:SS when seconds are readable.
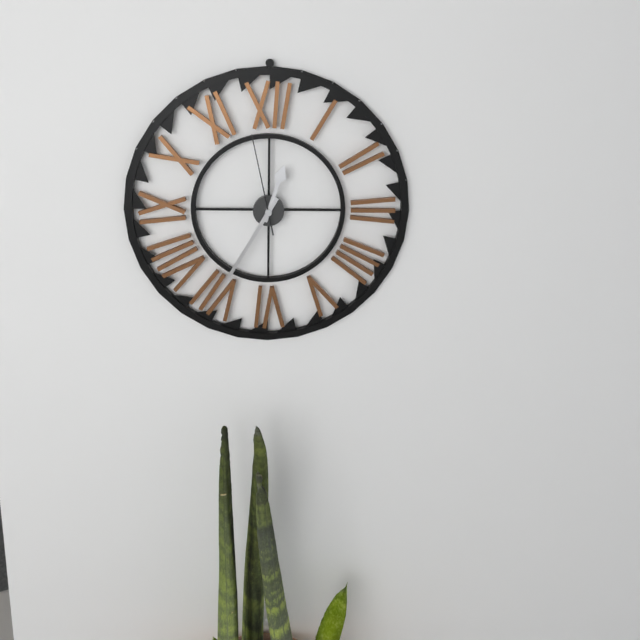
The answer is **12:35:58**
